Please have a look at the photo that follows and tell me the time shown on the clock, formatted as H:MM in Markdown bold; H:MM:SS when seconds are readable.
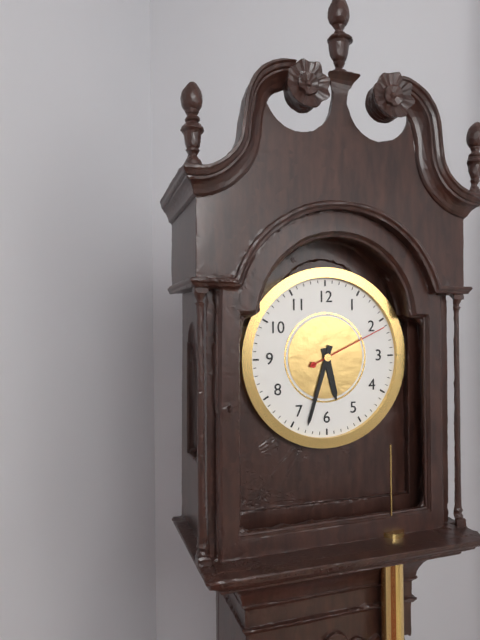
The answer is **5:33:11**
